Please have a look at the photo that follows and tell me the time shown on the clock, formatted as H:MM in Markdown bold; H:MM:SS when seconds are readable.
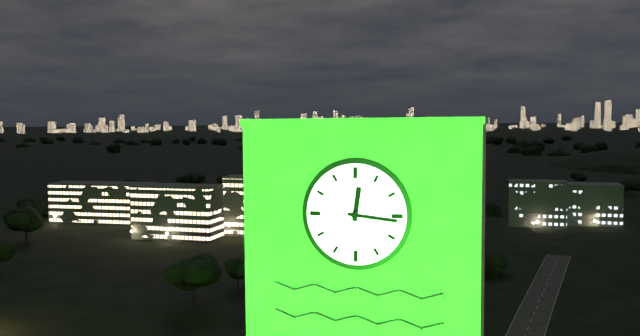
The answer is **12:16**
